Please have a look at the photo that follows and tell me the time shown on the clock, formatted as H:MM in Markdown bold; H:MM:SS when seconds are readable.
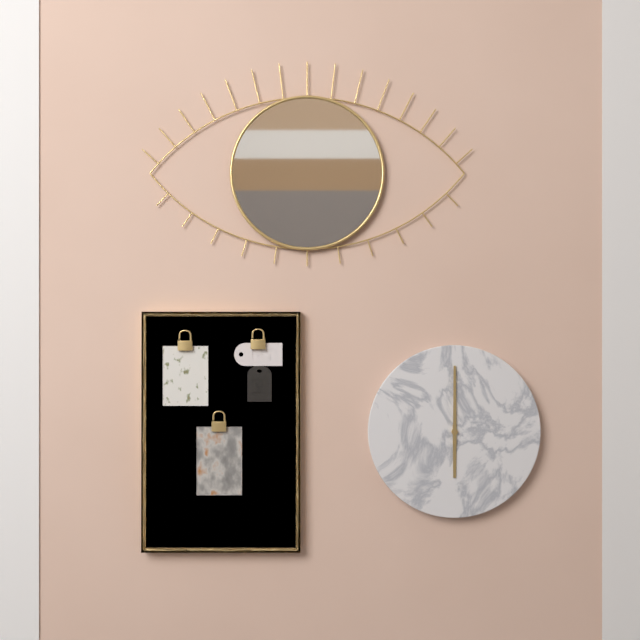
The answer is **6:00**
